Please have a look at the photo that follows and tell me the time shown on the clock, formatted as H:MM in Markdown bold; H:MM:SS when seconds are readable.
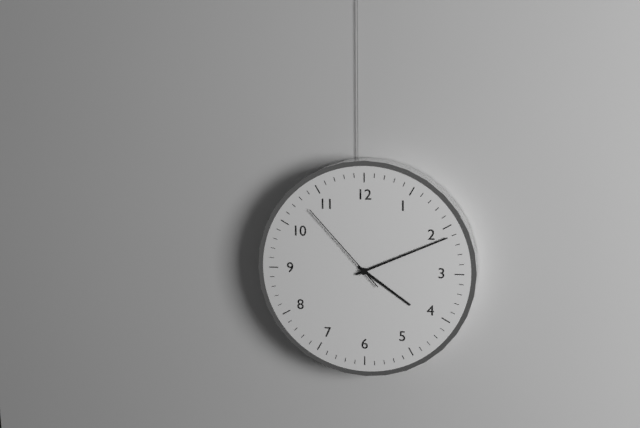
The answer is **4:11:53**
